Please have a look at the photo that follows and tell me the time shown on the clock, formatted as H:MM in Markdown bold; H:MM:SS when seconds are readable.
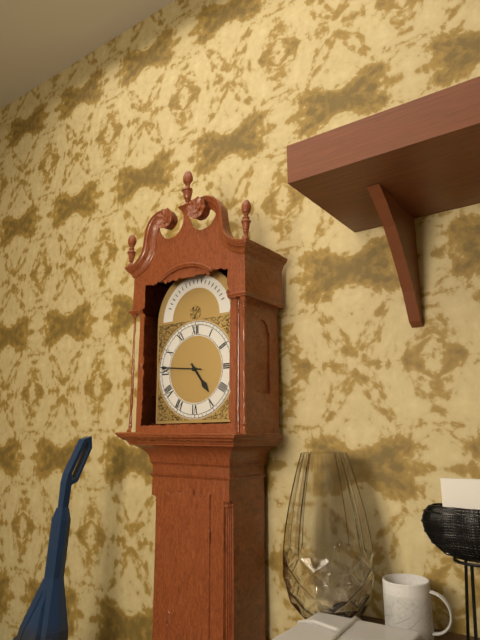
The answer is **4:46**
